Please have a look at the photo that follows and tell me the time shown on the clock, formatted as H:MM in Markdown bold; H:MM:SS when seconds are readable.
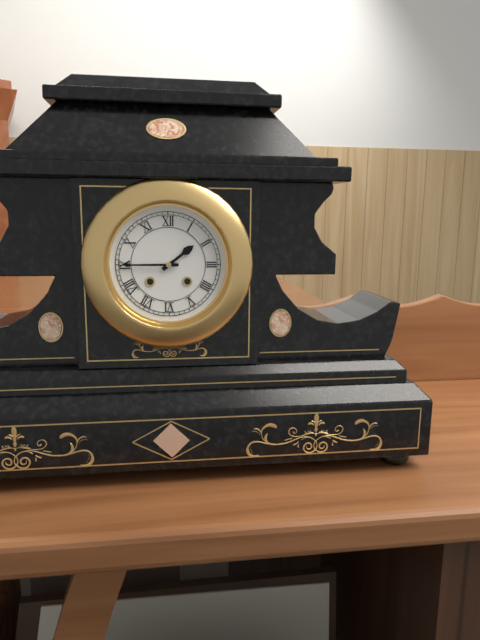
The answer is **1:45**
